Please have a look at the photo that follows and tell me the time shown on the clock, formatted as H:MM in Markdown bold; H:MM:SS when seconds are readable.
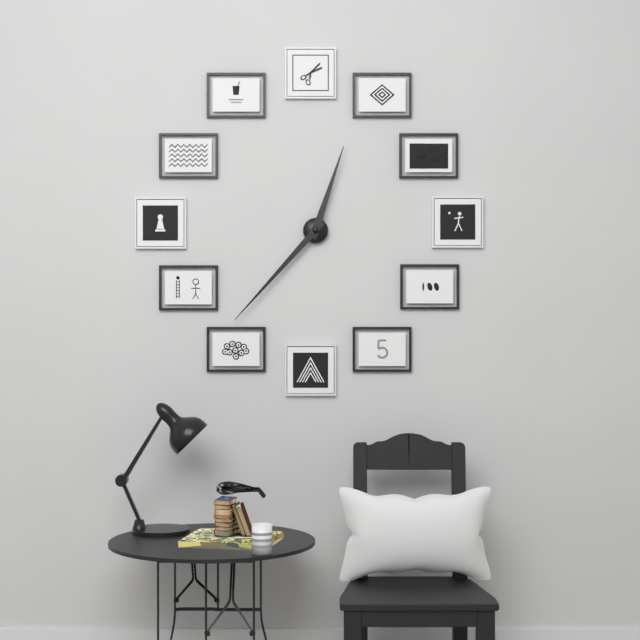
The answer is **12:37**
